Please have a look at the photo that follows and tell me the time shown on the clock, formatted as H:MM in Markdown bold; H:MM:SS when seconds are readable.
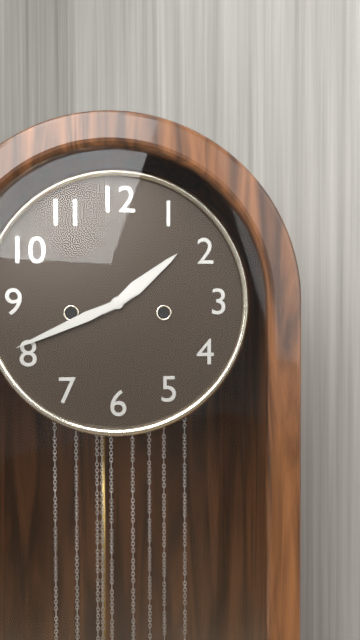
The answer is **1:41**
